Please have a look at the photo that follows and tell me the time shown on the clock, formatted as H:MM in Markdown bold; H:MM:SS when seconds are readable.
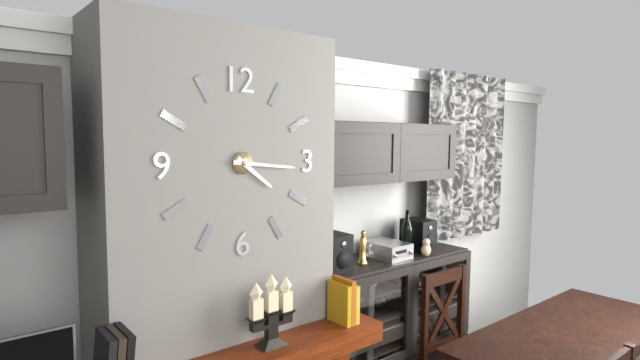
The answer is **4:16**
